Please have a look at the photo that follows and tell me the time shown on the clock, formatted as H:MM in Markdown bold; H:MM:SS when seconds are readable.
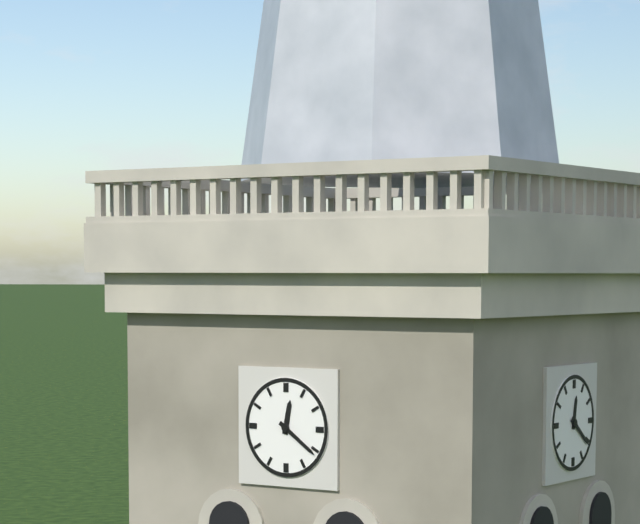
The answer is **12:21**
